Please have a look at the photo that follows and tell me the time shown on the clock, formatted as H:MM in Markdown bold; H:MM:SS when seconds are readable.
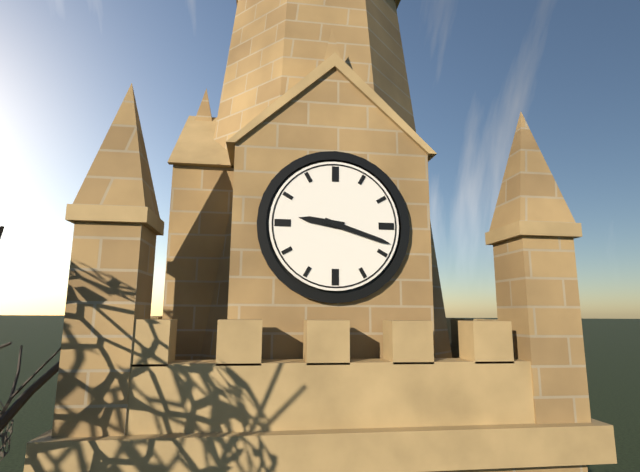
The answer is **9:18**
